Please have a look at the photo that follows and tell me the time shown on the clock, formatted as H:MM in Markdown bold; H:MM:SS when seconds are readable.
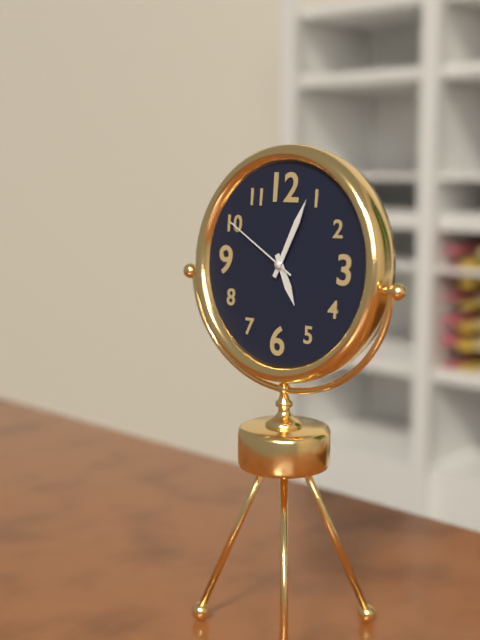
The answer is **5:04:50**
